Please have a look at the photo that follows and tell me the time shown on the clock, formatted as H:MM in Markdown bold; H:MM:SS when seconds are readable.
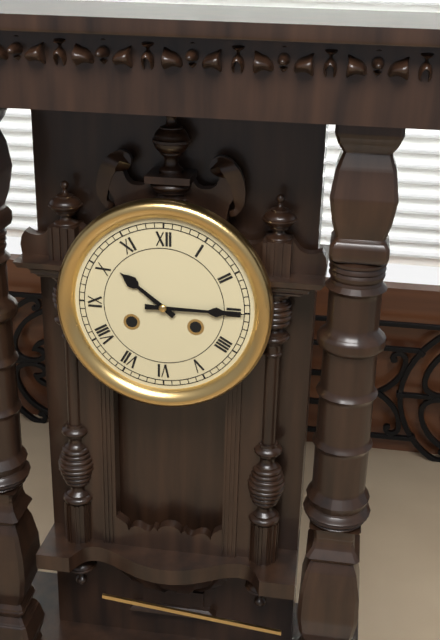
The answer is **10:15**
